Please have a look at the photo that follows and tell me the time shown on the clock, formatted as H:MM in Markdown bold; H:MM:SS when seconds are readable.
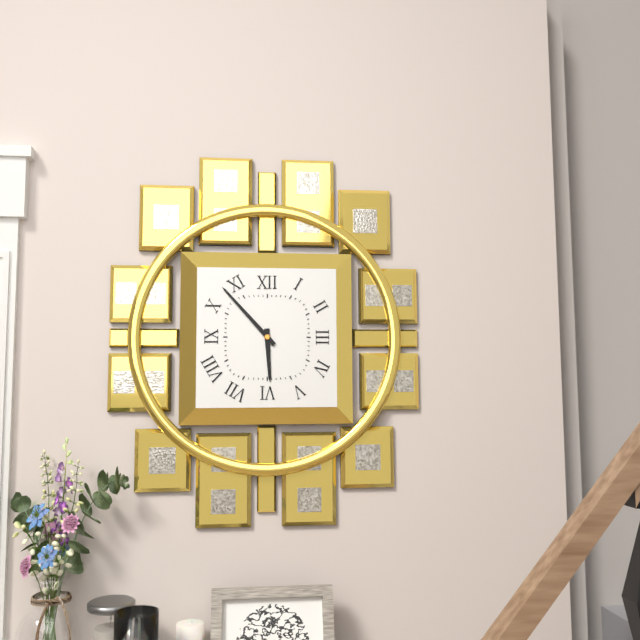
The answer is **5:53**
